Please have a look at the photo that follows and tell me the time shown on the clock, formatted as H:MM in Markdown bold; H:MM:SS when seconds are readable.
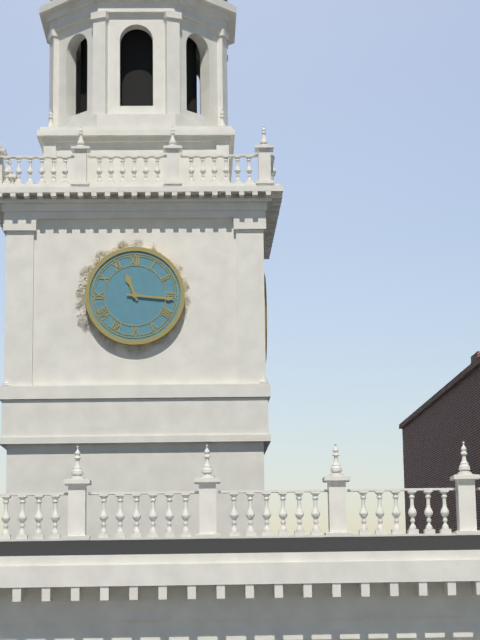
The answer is **11:16**
